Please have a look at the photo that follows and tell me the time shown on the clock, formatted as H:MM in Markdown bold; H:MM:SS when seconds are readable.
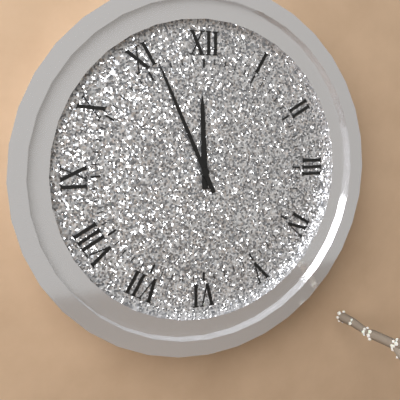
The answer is **11:56**
